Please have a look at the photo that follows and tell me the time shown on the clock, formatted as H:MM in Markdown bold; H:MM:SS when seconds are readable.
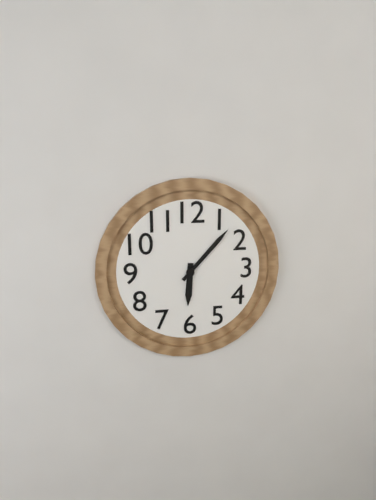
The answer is **6:07**
